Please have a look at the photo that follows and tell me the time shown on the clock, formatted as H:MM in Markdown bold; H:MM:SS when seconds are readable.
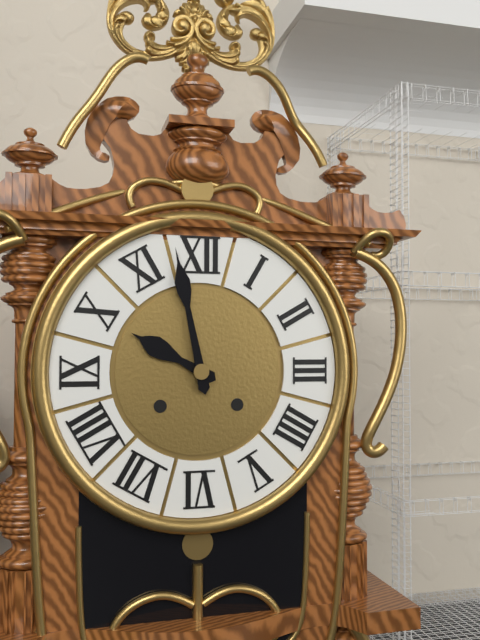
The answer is **9:58**
